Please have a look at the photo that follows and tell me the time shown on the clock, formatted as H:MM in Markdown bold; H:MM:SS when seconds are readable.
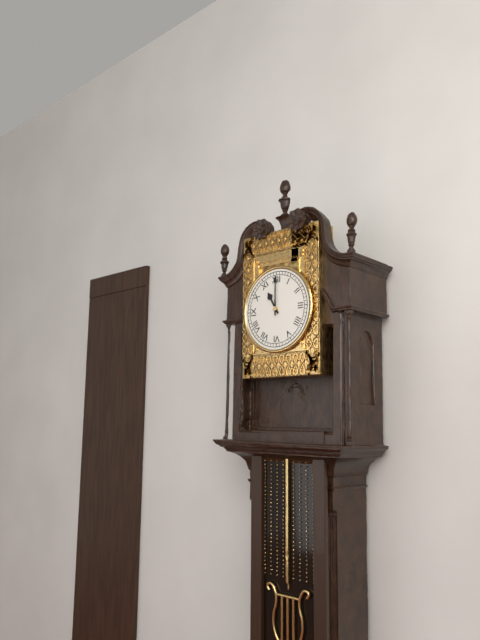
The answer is **11:00**
